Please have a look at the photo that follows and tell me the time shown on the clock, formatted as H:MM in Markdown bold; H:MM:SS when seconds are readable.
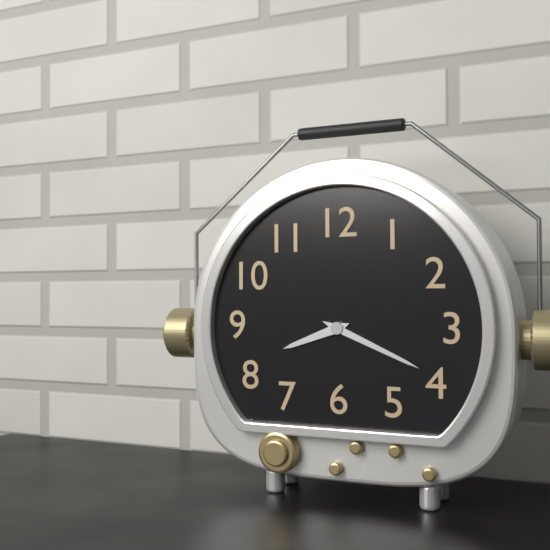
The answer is **8:19**
